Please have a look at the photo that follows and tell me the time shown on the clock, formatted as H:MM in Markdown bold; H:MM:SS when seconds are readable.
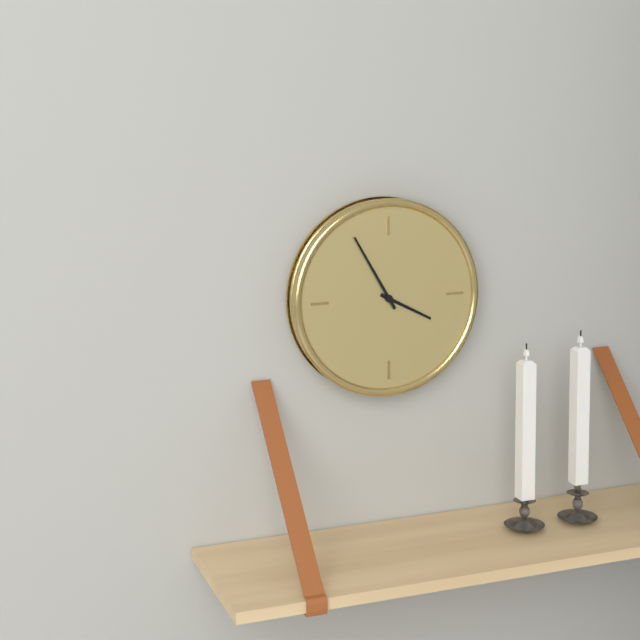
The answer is **3:55**
